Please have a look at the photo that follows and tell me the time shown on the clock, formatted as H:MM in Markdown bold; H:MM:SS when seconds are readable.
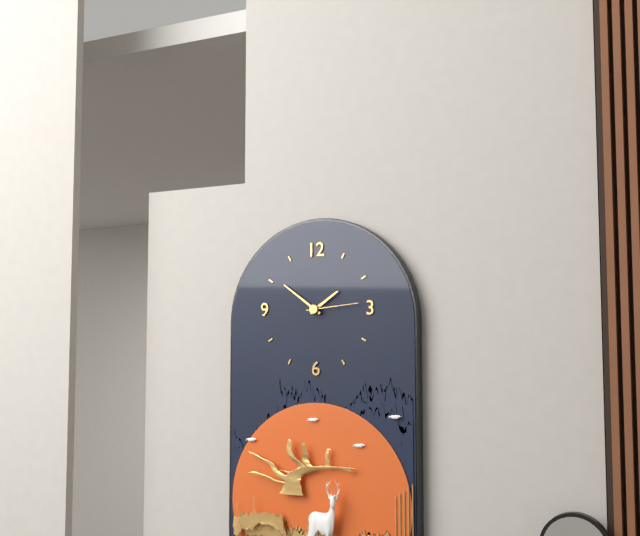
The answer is **1:51:14**
